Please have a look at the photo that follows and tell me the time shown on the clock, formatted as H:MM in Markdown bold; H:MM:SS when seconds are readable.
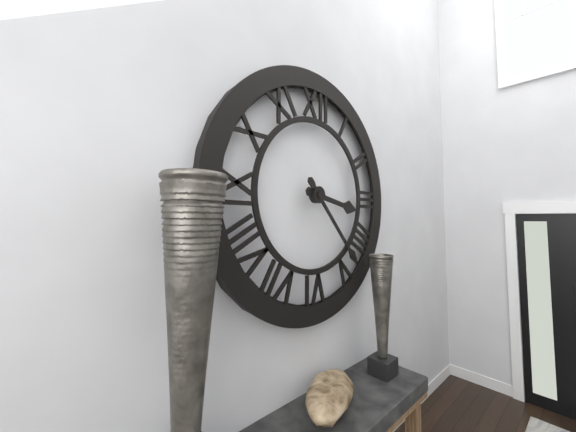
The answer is **3:23**
